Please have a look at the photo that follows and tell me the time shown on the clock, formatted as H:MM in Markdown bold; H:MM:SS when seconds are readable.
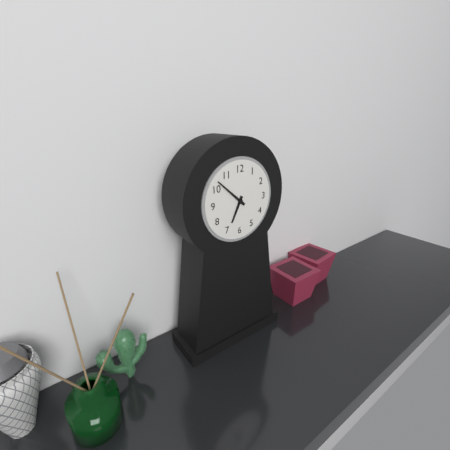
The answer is **6:52**
